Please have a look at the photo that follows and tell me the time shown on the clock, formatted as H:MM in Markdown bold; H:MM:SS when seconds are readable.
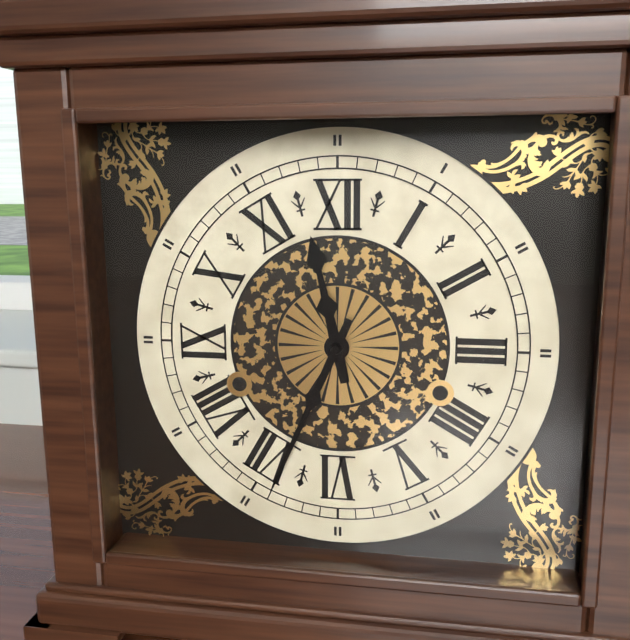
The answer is **11:34**
